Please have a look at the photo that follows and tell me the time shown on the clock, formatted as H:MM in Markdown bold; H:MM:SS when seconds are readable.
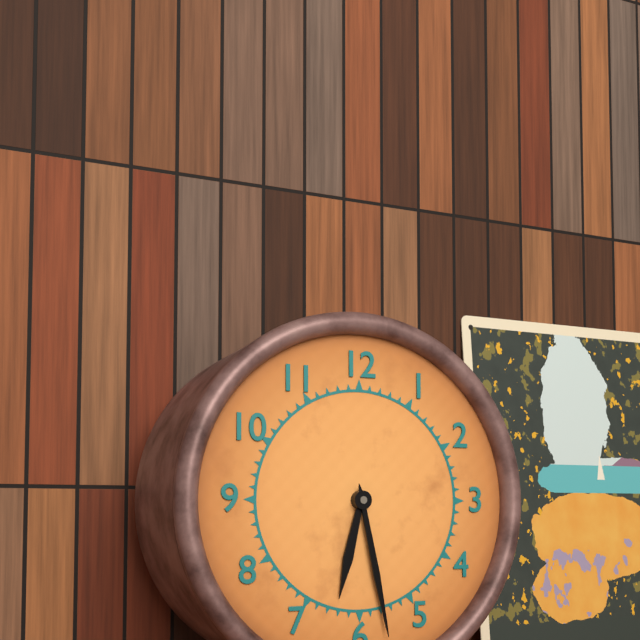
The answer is **6:28**
